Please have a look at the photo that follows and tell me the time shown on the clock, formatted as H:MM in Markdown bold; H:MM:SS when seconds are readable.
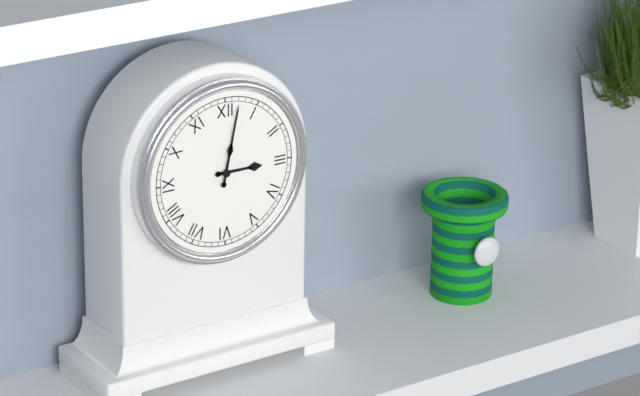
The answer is **3:02**
